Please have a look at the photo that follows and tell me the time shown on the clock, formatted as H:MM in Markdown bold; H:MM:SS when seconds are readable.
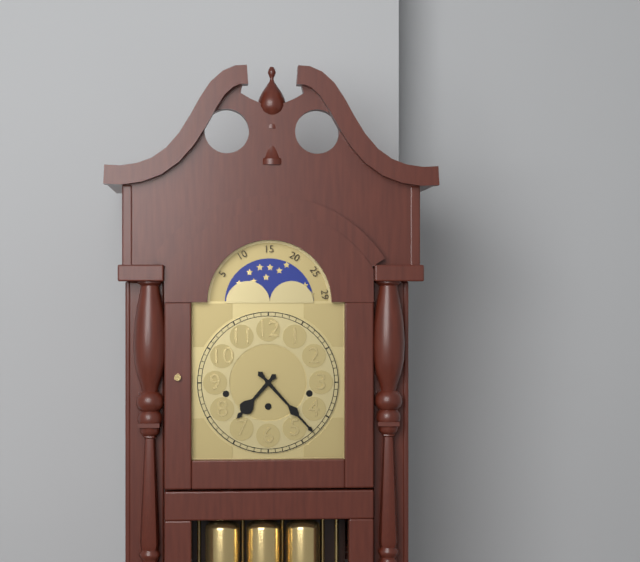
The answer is **7:23**
